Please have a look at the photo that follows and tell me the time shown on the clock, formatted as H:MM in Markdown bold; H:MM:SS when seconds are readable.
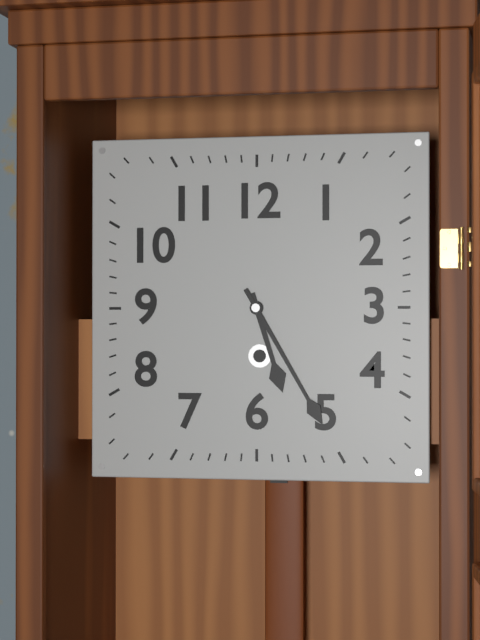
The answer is **5:25**
